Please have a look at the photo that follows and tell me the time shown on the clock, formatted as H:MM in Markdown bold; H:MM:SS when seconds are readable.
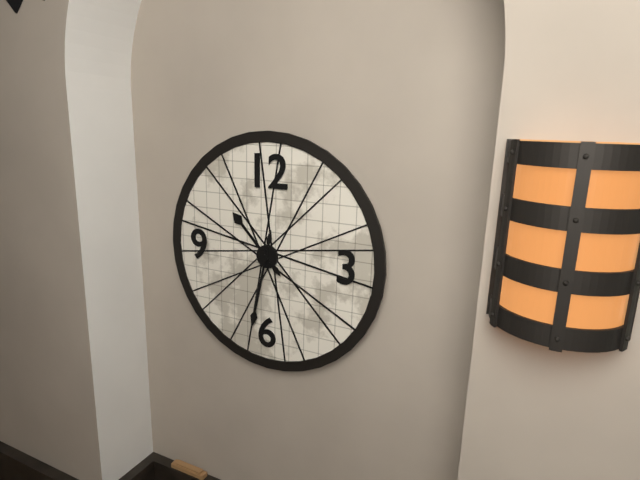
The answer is **10:32**
